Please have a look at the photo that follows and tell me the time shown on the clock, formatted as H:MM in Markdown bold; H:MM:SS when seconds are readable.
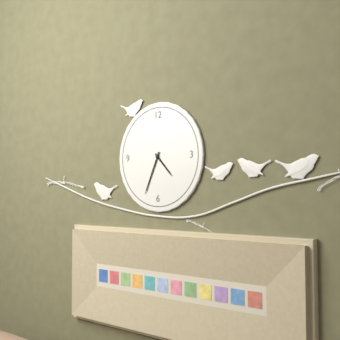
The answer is **4:34**
